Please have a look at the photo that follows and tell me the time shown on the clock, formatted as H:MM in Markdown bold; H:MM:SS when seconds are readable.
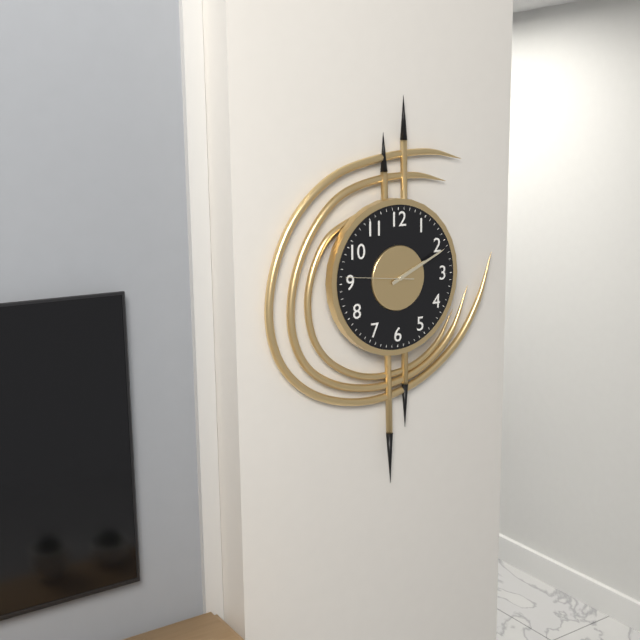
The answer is **2:11:46**
